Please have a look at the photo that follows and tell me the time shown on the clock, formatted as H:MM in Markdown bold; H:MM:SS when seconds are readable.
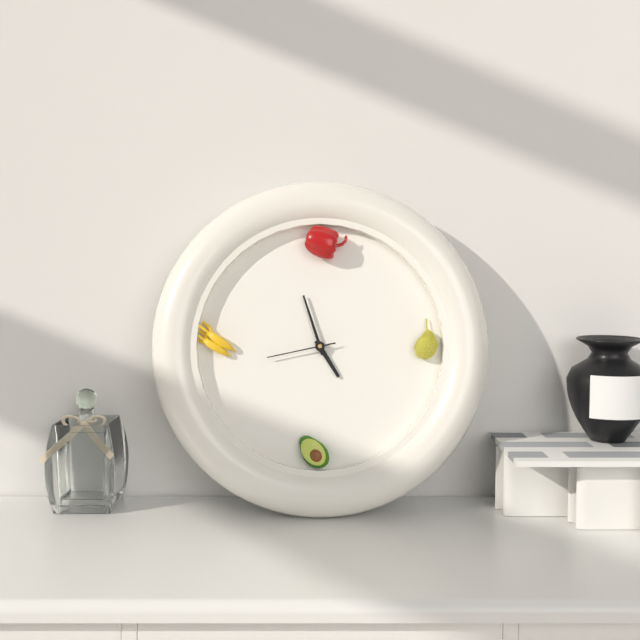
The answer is **4:57:43**
